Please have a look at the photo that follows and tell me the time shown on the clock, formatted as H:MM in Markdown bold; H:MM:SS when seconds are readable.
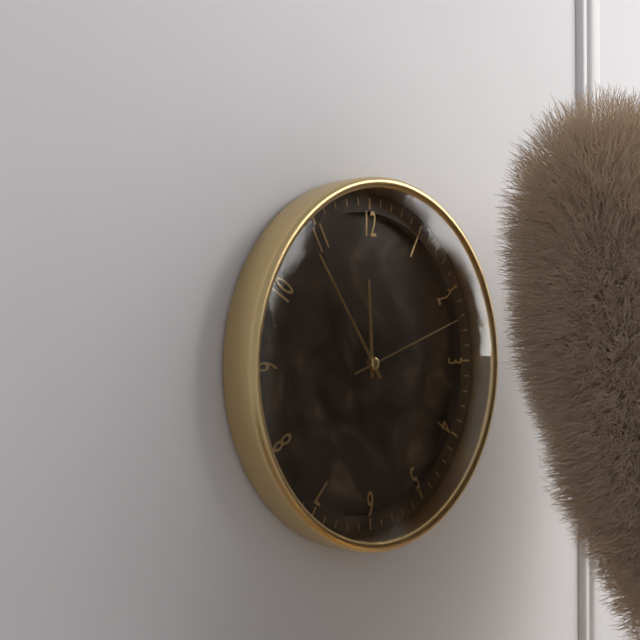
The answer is **11:54:12**
